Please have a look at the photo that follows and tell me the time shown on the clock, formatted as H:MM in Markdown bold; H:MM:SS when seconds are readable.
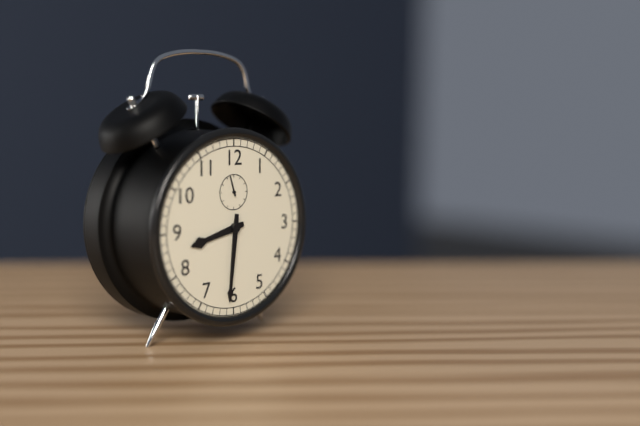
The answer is **8:31**
